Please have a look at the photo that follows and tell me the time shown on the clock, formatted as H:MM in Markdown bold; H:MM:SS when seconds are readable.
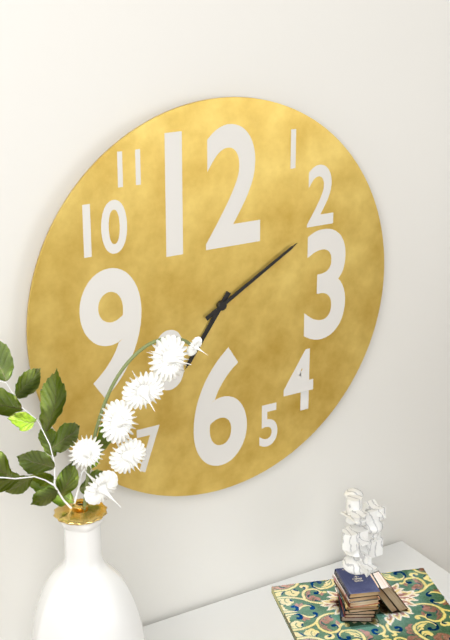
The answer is **7:10**
